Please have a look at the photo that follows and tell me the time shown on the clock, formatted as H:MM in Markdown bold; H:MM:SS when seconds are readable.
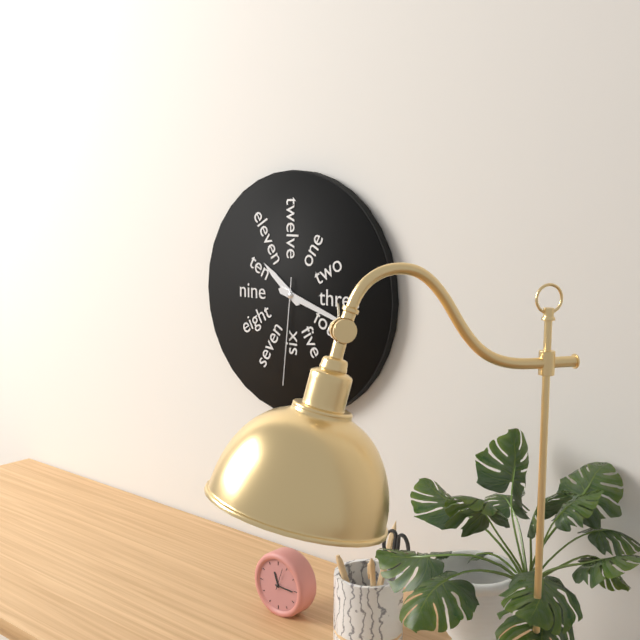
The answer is **10:18:31**
